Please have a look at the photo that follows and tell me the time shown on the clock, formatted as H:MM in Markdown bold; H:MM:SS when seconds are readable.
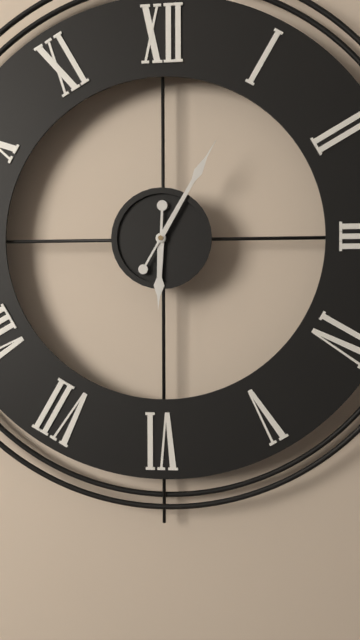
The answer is **6:05**
